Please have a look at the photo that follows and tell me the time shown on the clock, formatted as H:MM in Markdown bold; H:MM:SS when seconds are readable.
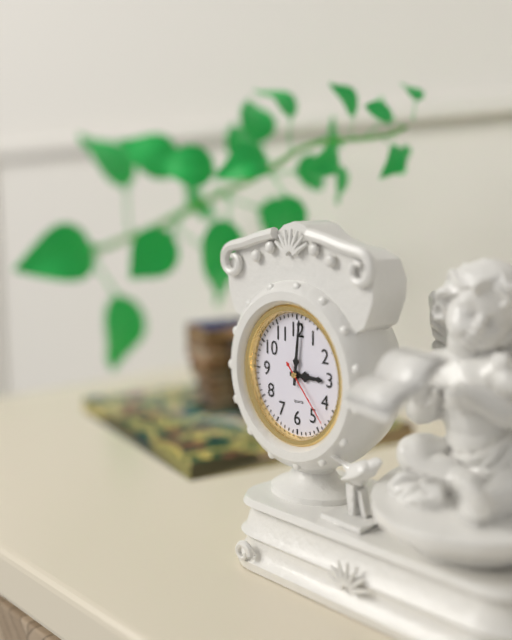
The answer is **3:01:23**
